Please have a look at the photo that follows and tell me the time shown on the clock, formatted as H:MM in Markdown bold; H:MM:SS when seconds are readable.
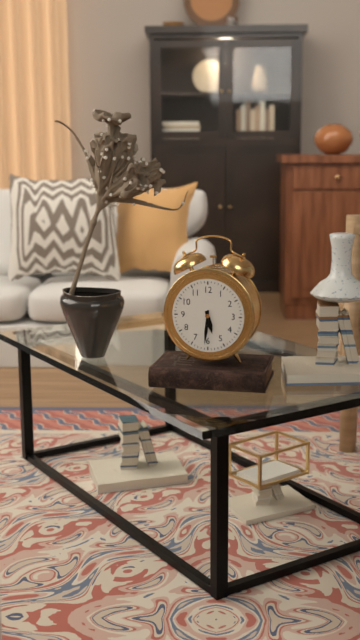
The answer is **5:31**
